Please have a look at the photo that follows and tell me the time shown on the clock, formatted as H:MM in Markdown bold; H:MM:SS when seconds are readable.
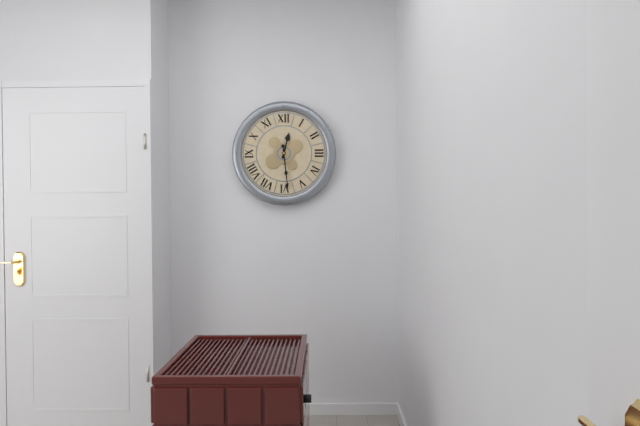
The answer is **12:29**
